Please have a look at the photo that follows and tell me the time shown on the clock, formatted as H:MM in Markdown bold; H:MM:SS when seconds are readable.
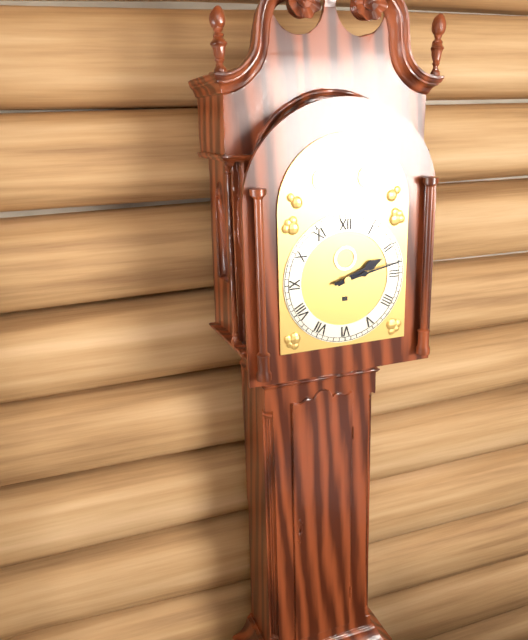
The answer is **2:13**
